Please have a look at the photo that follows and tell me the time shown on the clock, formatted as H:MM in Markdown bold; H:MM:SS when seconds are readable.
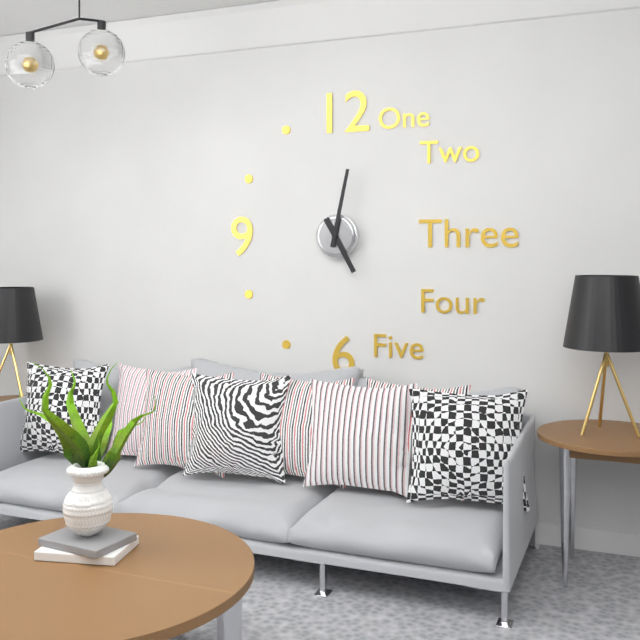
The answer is **5:02**
